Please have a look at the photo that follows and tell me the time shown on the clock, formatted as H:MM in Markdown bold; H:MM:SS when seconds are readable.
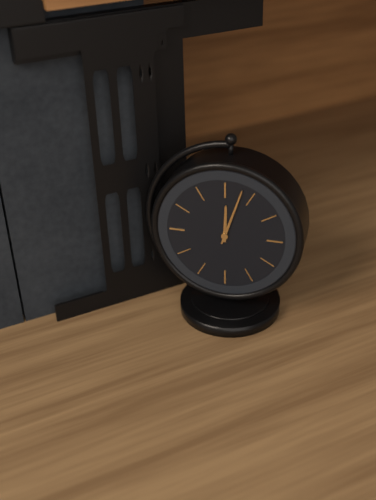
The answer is **12:03**
